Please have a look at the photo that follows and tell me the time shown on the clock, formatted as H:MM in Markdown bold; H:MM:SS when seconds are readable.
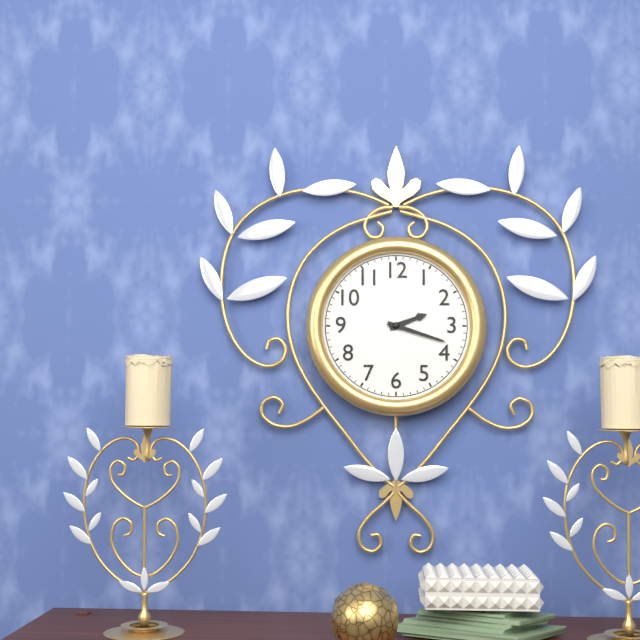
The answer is **2:18**
